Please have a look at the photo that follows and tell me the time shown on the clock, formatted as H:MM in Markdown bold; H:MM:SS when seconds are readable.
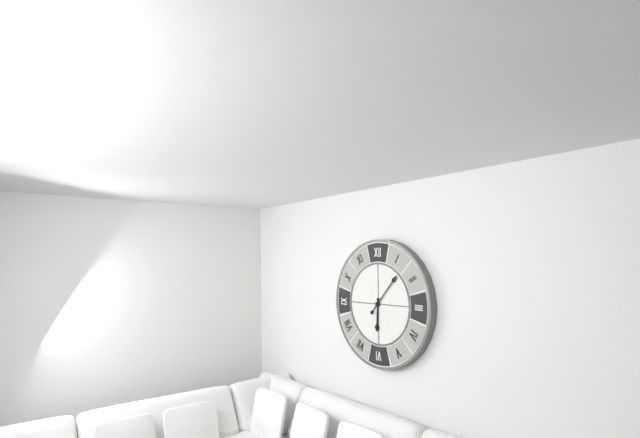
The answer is **6:07**
